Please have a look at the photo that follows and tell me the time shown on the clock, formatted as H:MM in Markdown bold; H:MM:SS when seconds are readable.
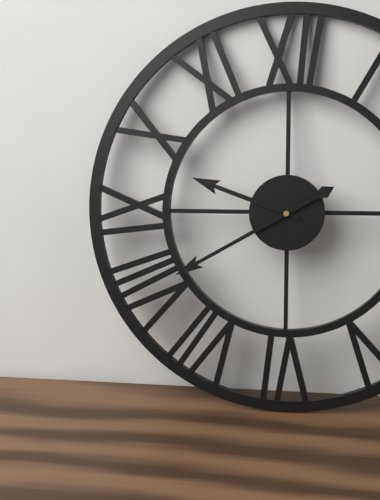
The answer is **9:40**
